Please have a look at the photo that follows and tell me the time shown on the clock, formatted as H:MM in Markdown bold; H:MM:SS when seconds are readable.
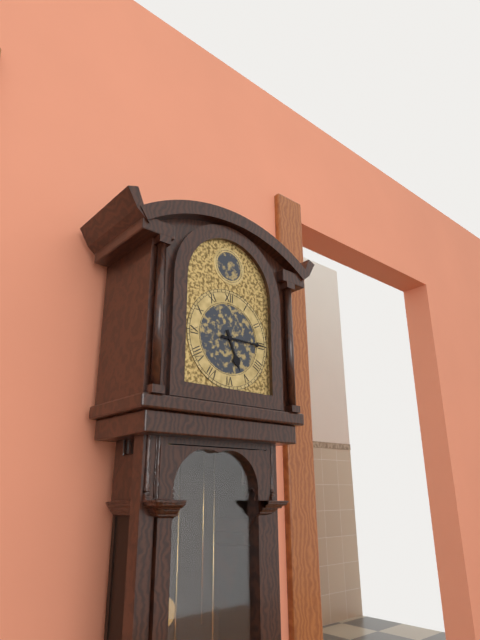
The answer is **5:15**
